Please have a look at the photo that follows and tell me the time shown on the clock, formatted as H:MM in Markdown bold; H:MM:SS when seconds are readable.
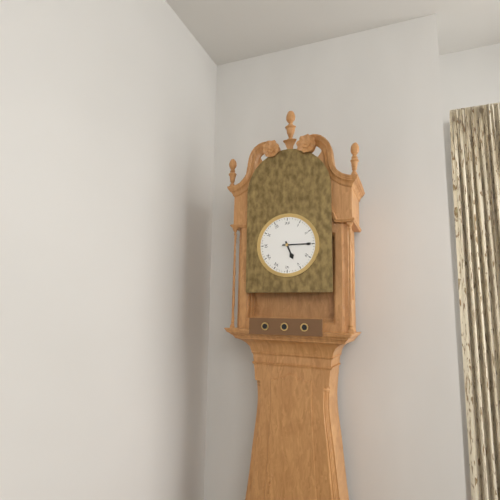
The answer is **5:15**
